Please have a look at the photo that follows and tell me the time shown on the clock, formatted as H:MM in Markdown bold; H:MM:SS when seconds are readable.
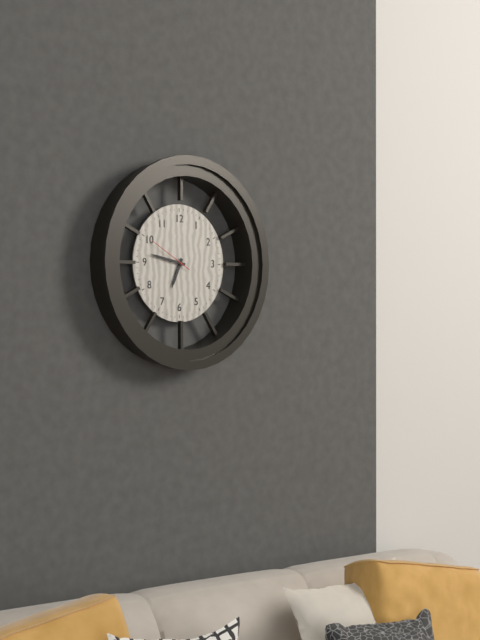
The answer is **6:47**
